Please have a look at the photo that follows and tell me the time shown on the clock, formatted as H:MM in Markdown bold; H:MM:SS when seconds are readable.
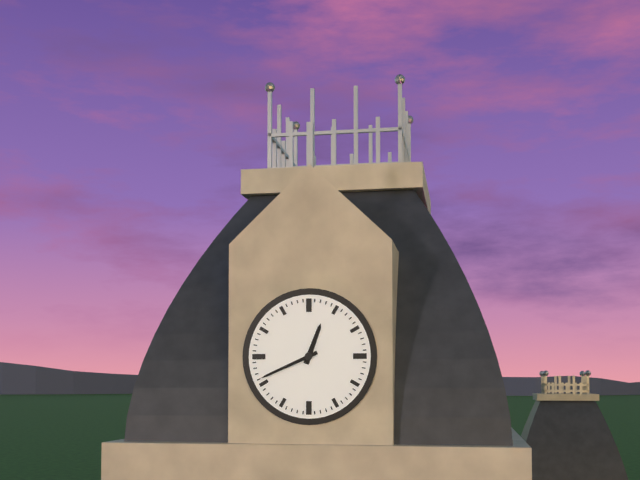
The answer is **12:41**
